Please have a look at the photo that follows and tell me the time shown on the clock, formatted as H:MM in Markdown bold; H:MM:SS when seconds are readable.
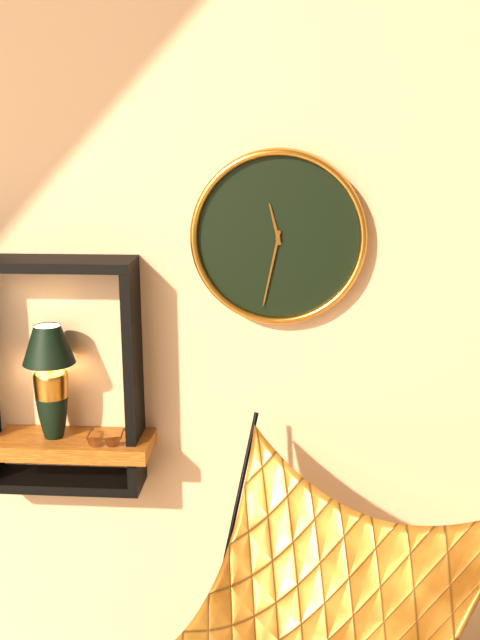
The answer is **11:32**
